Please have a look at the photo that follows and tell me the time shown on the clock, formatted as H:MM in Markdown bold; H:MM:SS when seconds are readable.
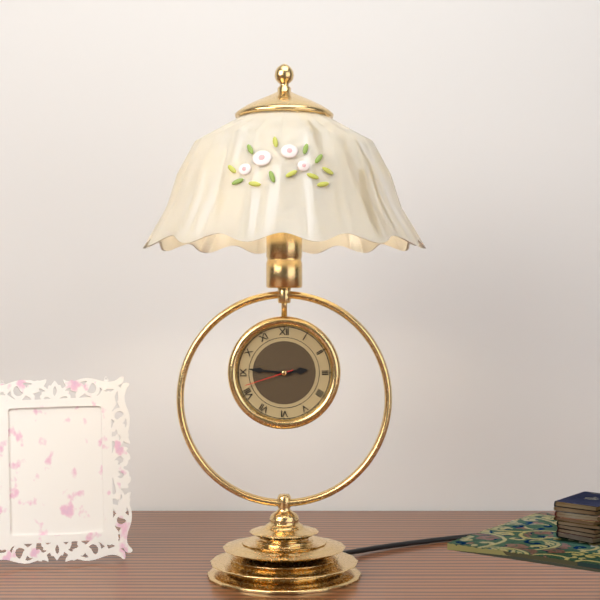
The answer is **2:46:42**
